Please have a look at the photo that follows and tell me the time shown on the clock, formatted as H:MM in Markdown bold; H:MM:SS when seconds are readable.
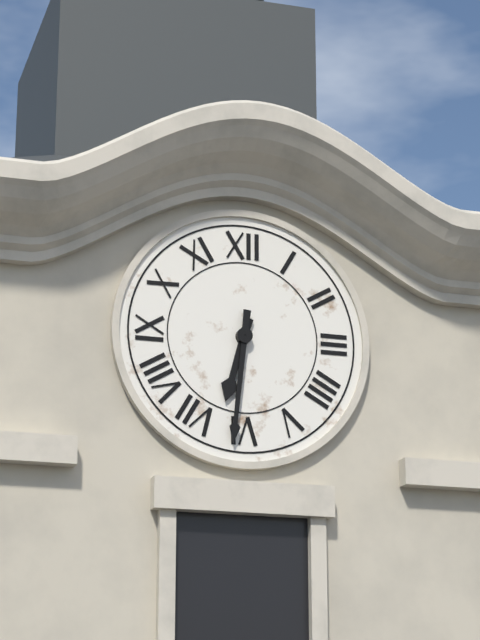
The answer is **6:31**
